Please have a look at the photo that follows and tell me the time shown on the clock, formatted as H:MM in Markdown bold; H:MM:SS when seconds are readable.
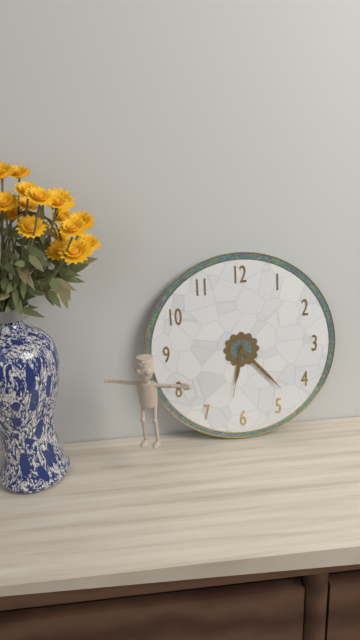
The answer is **6:23:32**
